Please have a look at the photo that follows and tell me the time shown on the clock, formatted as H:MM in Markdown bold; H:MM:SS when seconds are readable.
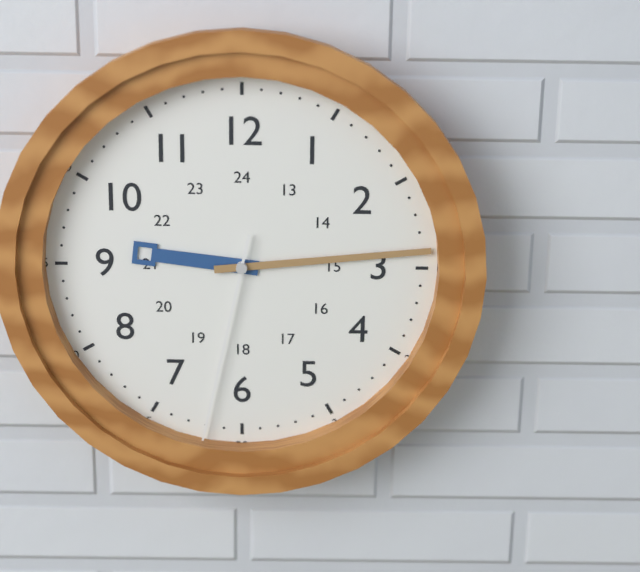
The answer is **9:14:32**
